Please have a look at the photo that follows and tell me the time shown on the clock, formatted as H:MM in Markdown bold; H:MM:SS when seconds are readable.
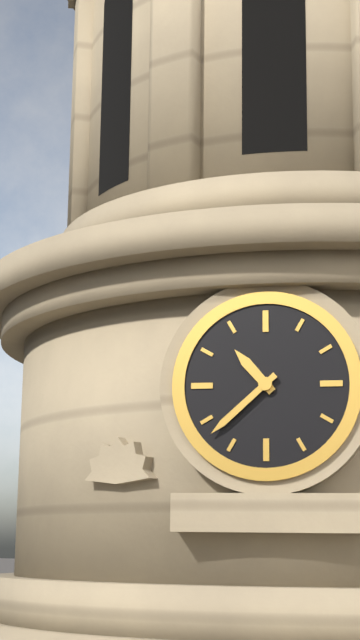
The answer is **10:38**
